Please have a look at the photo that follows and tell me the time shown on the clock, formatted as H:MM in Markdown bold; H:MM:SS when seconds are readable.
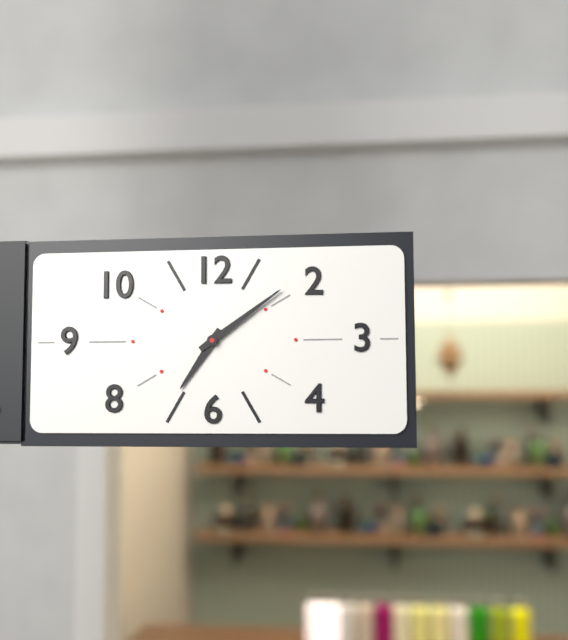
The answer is **7:09**
